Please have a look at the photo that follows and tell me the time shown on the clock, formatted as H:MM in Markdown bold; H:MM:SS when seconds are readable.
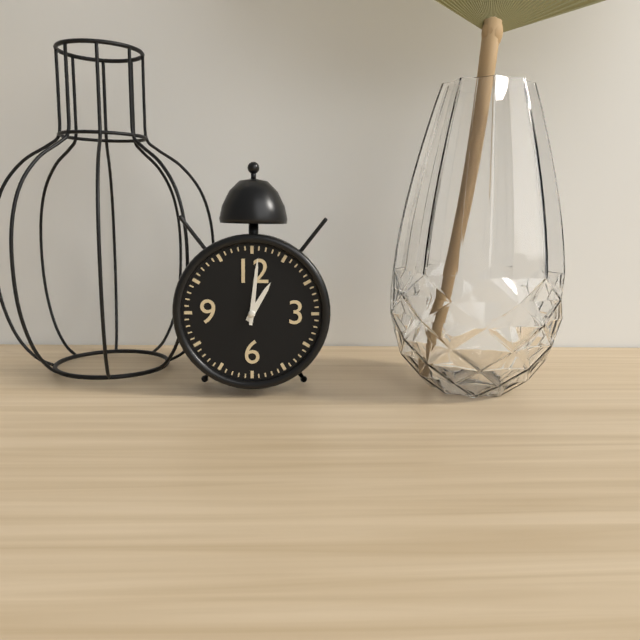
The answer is **1:01**
